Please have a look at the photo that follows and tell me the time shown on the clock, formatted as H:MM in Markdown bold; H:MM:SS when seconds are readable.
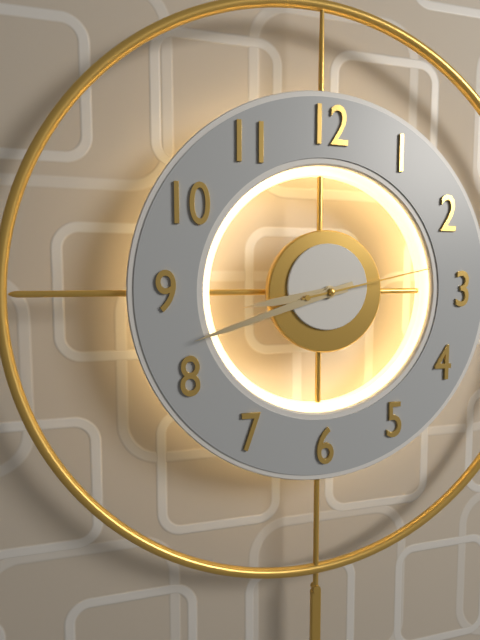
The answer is **8:42:13**
